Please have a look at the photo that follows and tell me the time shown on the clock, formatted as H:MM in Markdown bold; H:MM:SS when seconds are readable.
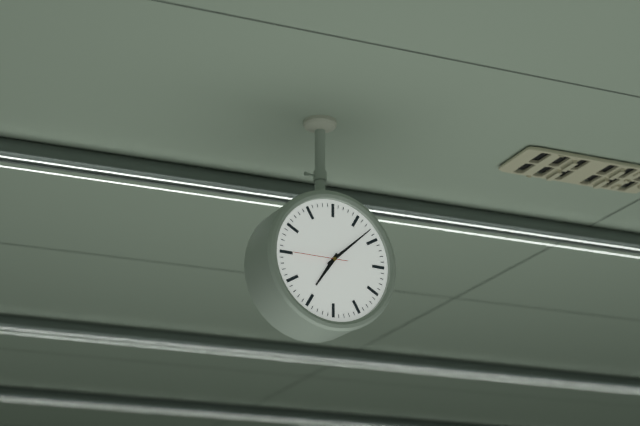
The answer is **7:08**
